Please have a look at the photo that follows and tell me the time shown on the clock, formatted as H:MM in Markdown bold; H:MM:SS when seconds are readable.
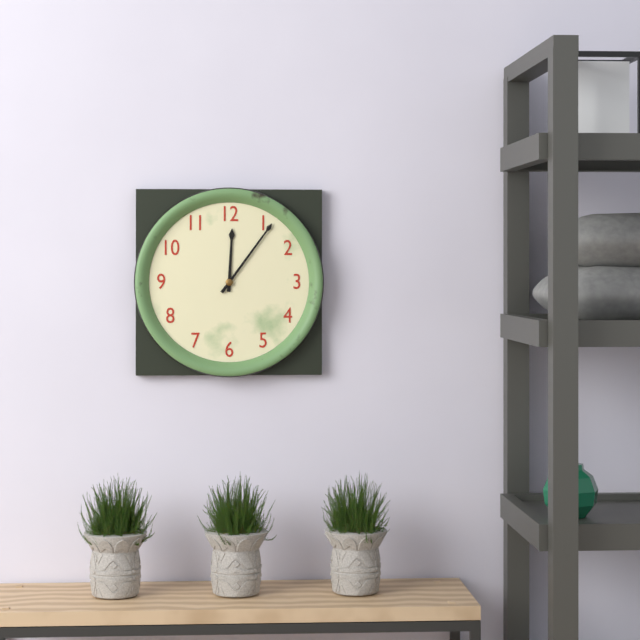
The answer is **12:06**
